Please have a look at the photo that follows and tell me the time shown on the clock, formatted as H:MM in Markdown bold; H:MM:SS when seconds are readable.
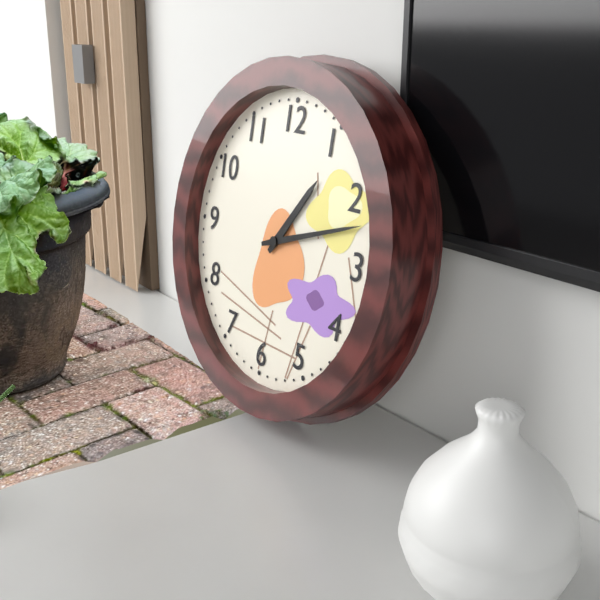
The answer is **1:12**
